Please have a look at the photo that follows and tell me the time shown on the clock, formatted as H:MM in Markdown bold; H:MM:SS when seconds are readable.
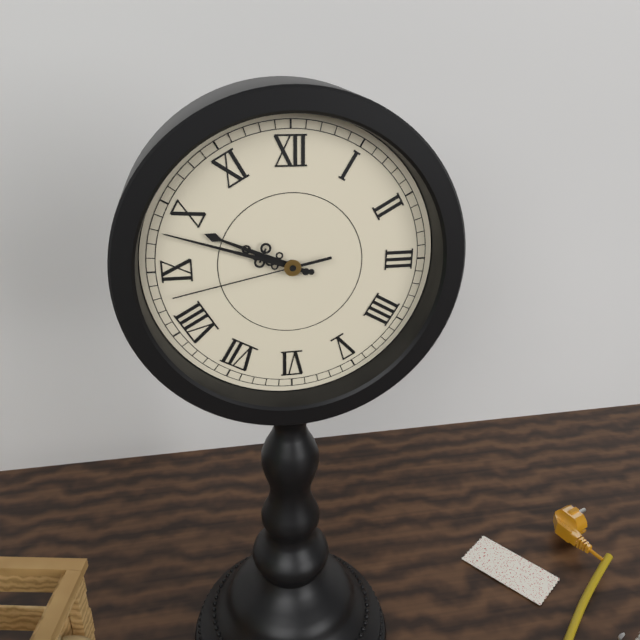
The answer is **9:48:43**
